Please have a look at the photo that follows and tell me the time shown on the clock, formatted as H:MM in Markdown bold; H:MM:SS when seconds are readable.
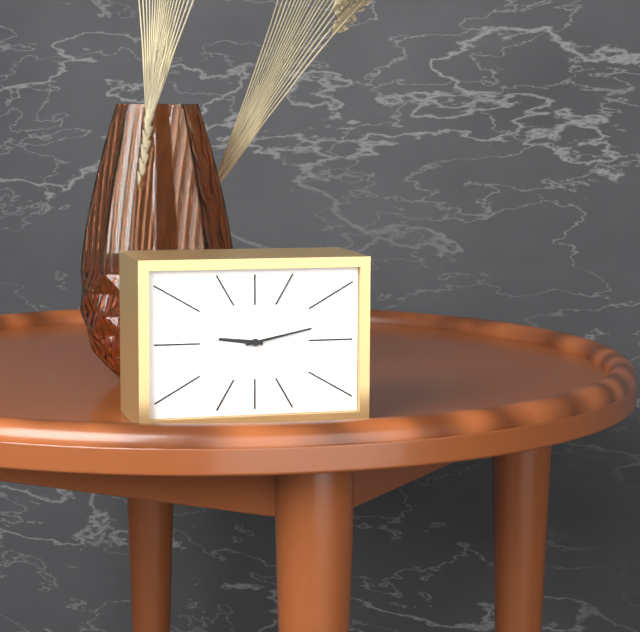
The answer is **9:13**
